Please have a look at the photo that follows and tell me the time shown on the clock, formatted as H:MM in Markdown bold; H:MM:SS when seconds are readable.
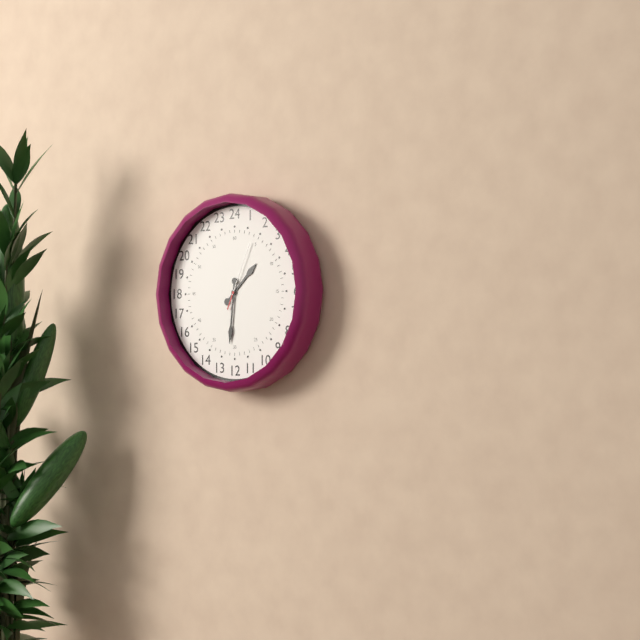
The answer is **1:31:04**
